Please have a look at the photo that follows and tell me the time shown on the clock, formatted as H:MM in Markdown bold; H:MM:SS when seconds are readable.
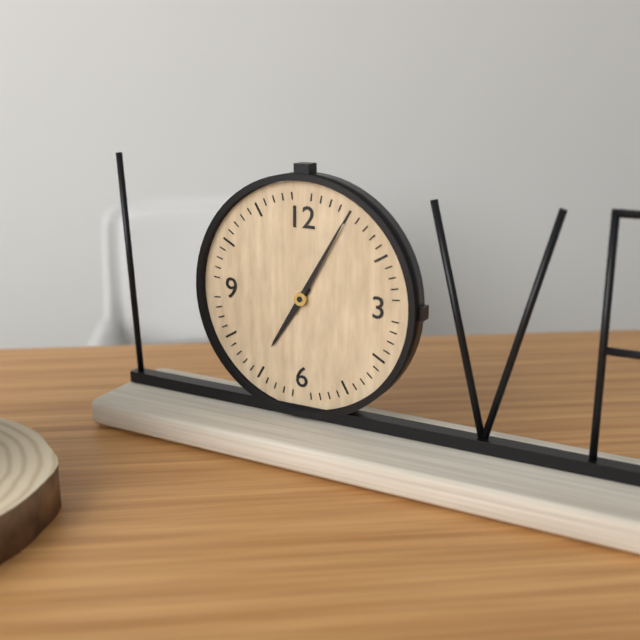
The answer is **7:05**
